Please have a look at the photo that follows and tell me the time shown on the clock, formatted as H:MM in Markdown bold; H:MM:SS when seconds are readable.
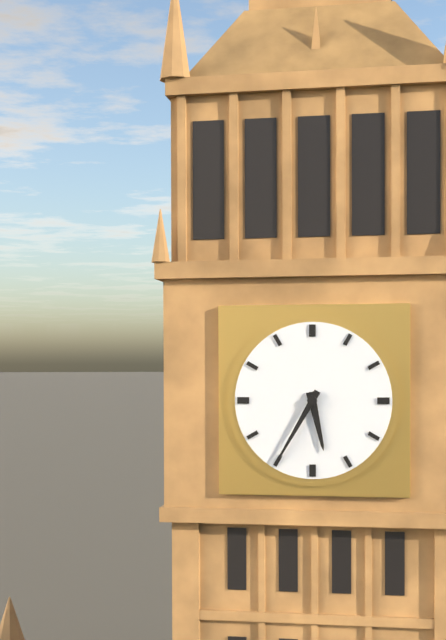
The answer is **5:35**
